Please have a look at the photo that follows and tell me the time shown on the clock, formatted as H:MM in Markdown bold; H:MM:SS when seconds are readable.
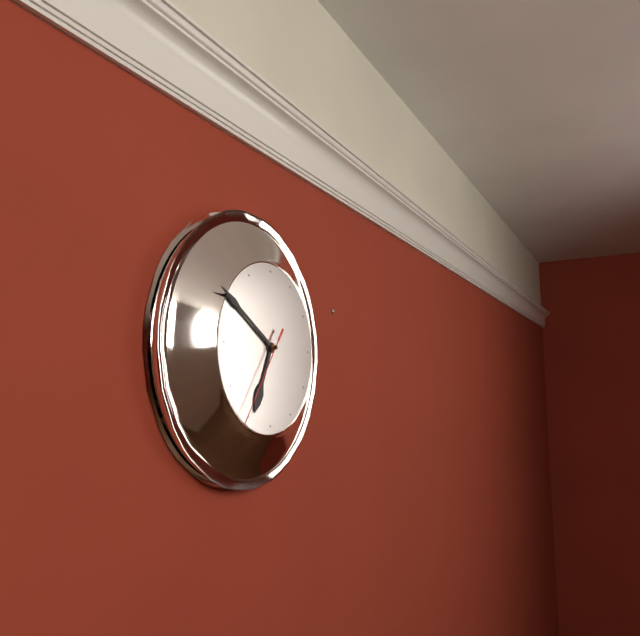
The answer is **6:50:36**
